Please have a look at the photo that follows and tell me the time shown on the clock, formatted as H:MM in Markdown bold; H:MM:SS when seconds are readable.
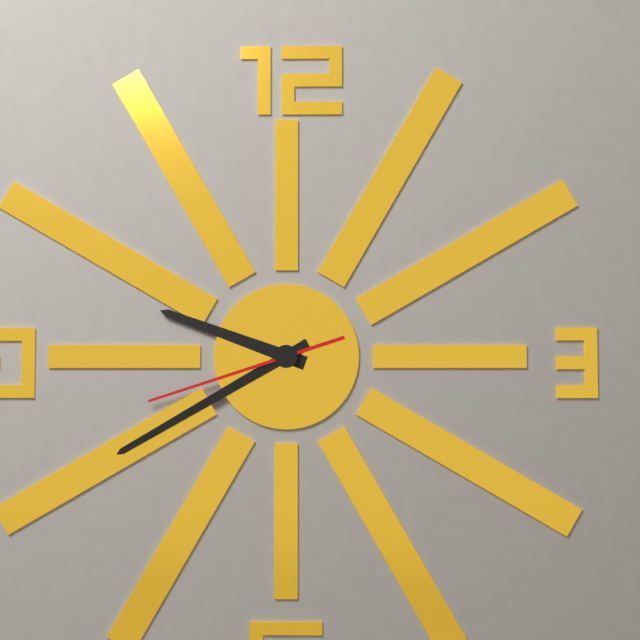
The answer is **9:40:42**
